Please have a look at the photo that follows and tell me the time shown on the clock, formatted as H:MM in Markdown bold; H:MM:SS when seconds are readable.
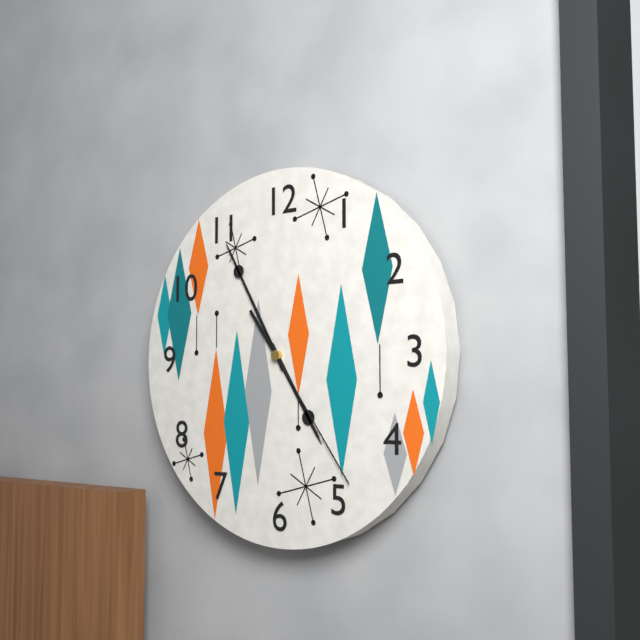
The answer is **4:55:24**
